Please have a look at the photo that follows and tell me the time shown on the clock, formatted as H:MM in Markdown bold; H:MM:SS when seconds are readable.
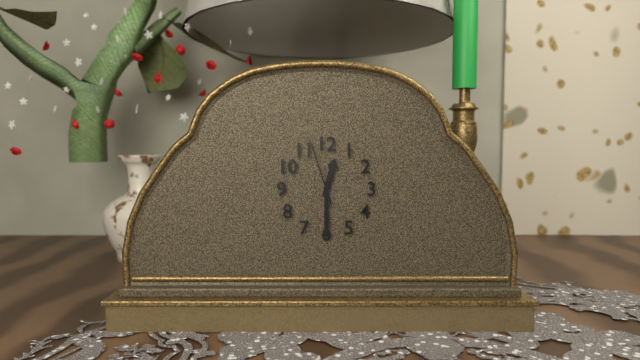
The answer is **12:30:57**
